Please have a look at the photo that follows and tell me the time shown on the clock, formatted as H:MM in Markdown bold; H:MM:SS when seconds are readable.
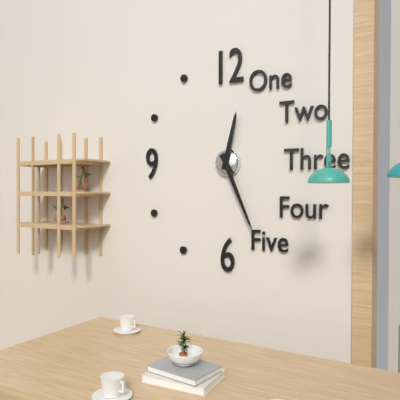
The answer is **12:26**
